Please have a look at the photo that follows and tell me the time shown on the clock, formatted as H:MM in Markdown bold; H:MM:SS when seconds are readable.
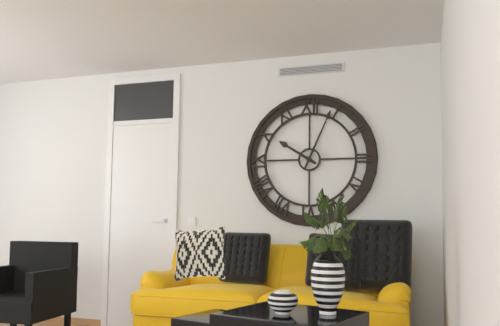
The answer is **10:04**
